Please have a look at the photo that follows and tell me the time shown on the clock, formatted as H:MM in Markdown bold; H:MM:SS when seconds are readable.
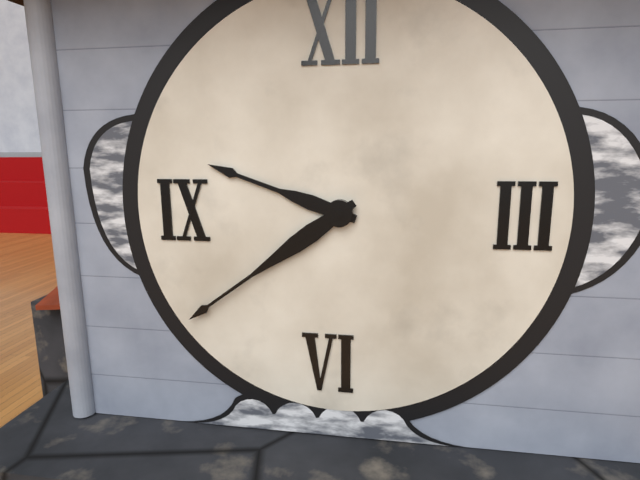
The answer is **9:39**
